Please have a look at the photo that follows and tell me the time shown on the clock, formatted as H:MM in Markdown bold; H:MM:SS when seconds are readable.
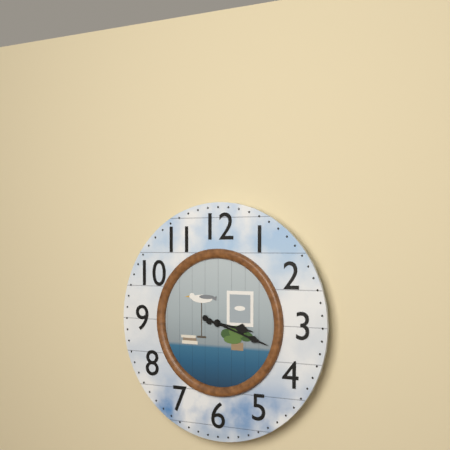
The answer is **3:18**
